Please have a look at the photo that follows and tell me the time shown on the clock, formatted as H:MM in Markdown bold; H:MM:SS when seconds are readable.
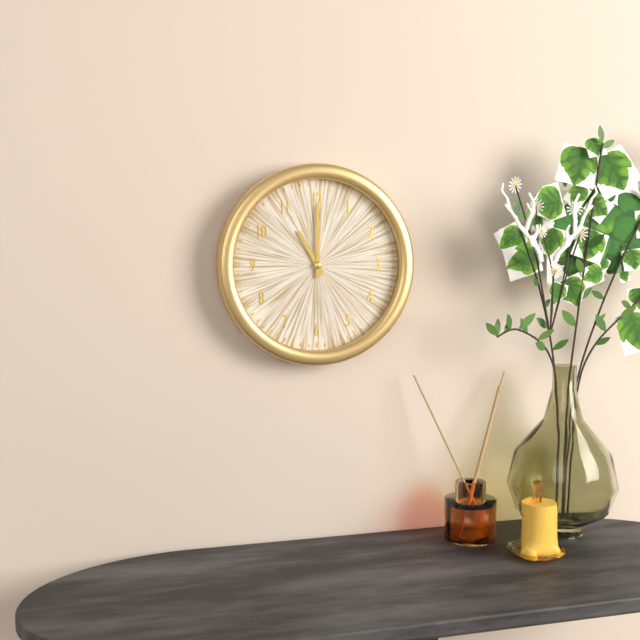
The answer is **11:00**
